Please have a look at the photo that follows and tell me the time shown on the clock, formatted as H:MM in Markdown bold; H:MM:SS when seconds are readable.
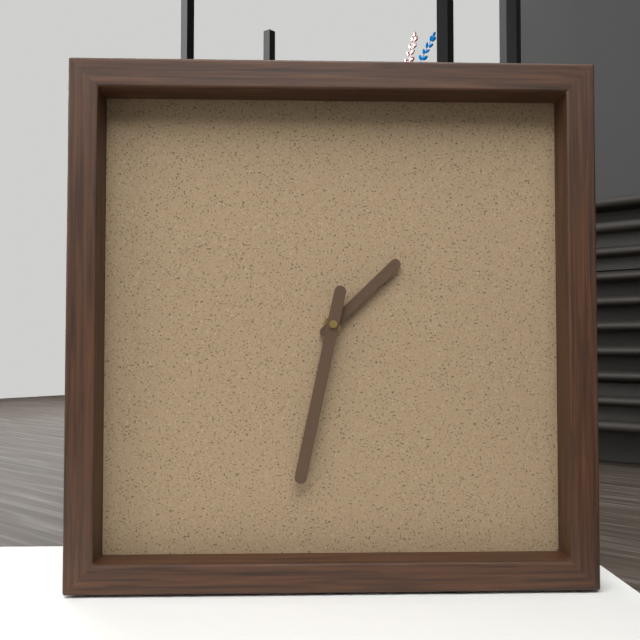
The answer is **1:32**
